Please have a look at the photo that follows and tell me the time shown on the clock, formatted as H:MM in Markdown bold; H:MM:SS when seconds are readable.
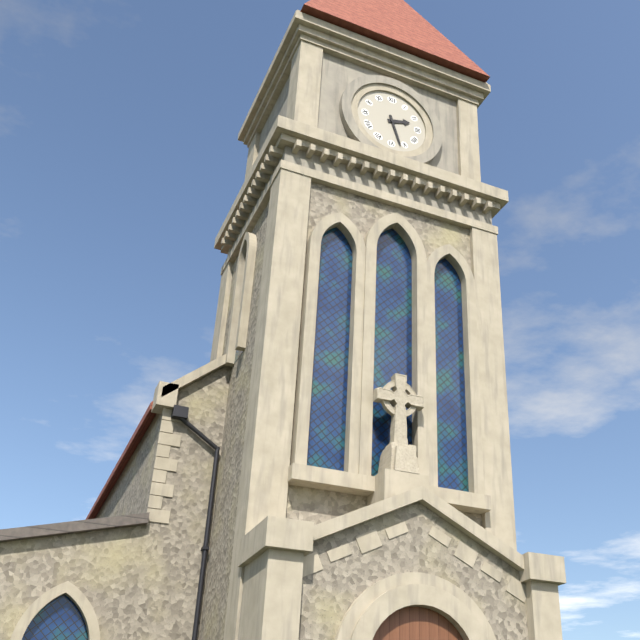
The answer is **2:27**
